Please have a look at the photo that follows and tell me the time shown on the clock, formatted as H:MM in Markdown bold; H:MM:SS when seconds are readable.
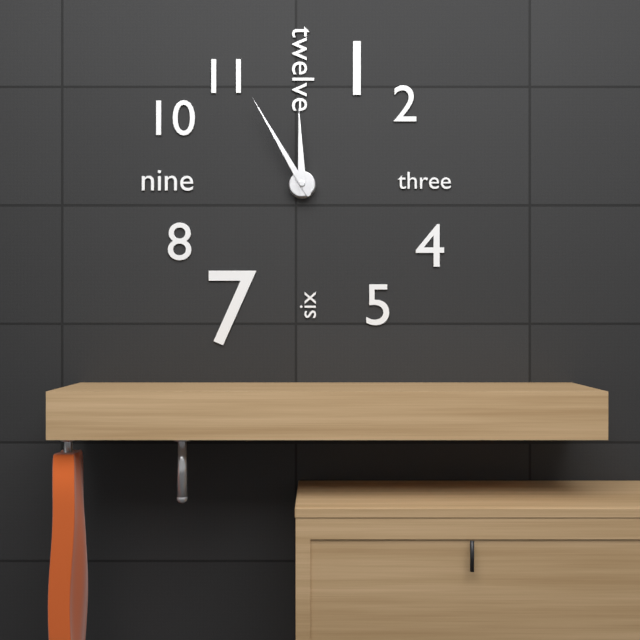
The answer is **11:55**
